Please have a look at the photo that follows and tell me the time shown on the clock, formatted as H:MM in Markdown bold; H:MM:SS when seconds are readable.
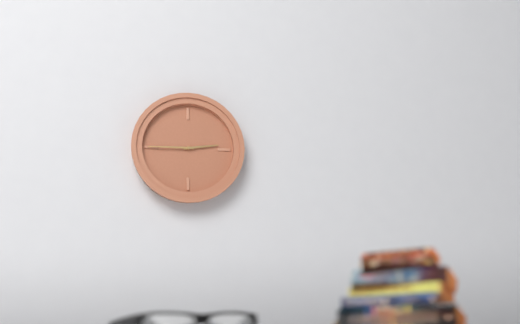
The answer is **2:45**
